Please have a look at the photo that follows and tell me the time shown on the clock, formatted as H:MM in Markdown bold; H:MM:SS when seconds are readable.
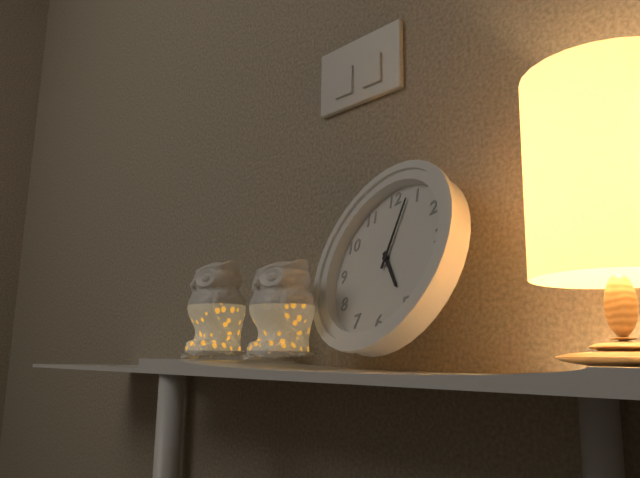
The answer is **5:03**
